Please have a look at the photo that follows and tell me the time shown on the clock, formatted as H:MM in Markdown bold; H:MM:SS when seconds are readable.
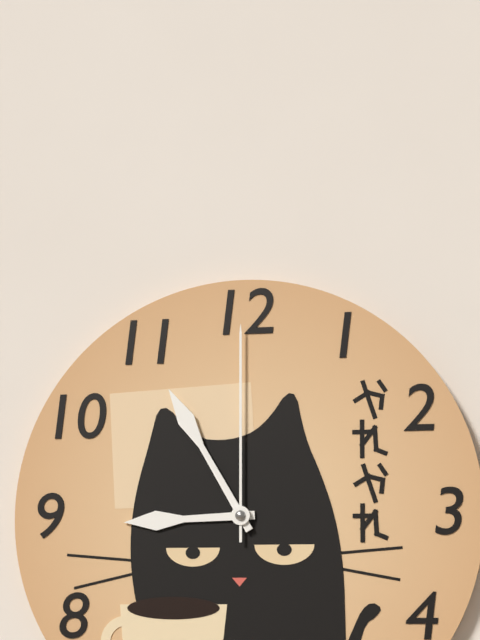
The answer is **8:55:00**
